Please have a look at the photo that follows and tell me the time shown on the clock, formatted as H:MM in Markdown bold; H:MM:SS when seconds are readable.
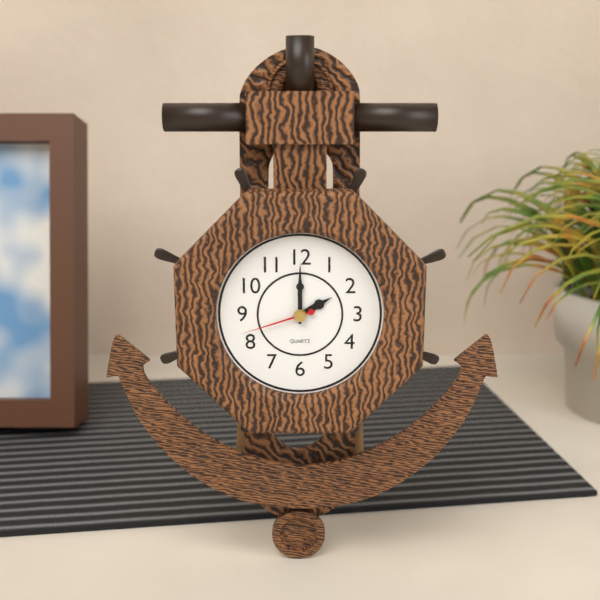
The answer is **2:00:42**
